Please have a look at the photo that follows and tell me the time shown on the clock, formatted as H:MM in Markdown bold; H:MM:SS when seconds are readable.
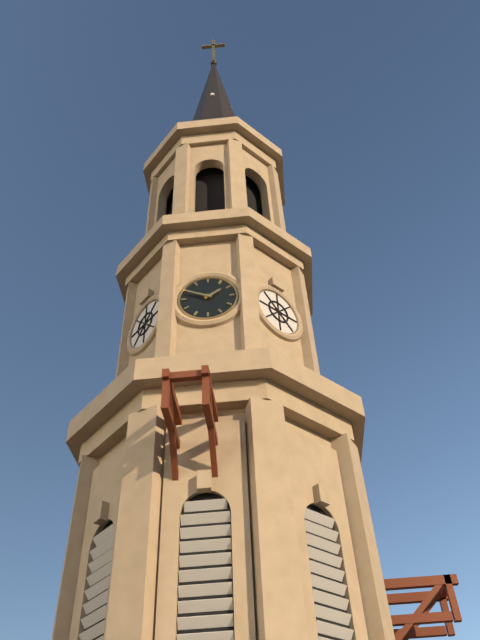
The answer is **1:49**
